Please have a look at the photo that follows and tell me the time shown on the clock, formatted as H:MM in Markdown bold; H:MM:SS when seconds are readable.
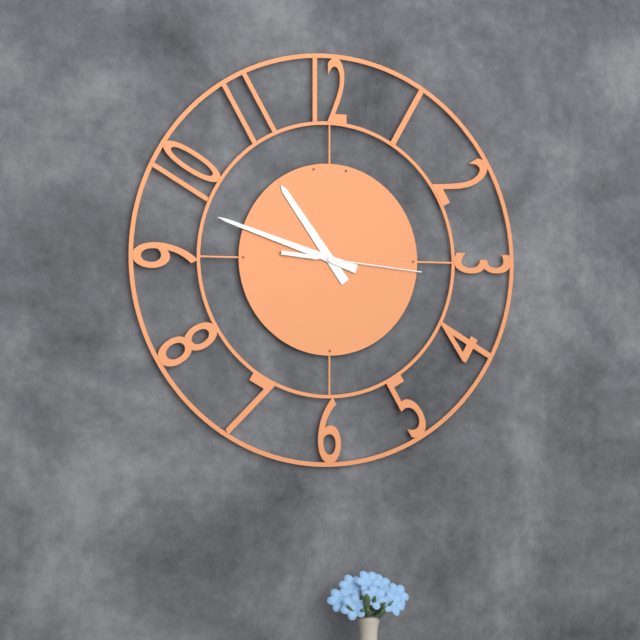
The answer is **10:48:16**
